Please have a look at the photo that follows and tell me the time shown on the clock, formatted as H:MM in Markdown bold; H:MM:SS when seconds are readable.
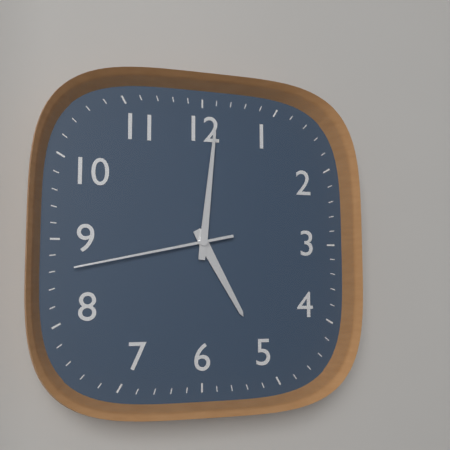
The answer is **5:01:43**
